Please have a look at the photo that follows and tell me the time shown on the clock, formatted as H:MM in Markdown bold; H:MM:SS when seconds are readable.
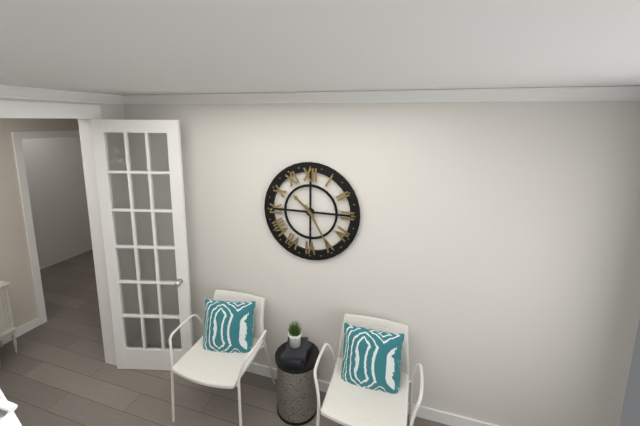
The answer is **10:25**
